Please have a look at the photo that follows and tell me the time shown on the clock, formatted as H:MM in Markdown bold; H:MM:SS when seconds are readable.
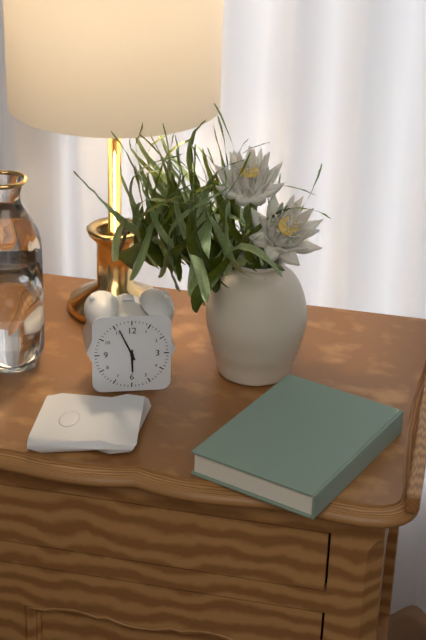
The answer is **5:56**
